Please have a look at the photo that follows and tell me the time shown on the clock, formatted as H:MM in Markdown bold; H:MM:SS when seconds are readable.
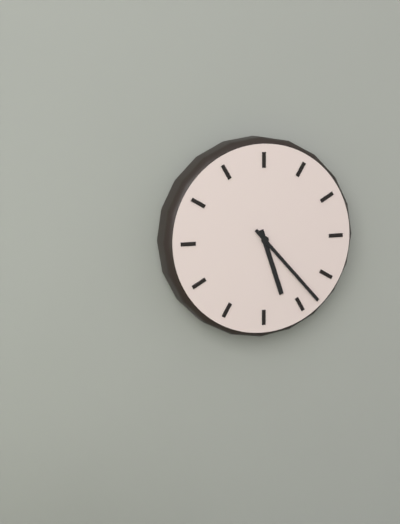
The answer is **5:23**
